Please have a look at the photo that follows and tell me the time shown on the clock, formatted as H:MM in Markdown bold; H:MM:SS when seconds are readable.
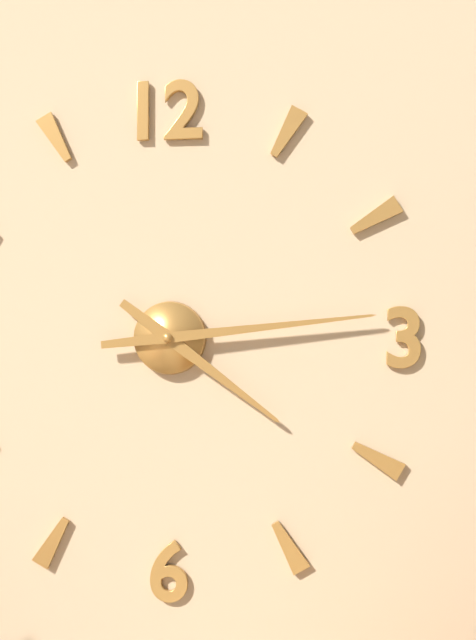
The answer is **4:14**
